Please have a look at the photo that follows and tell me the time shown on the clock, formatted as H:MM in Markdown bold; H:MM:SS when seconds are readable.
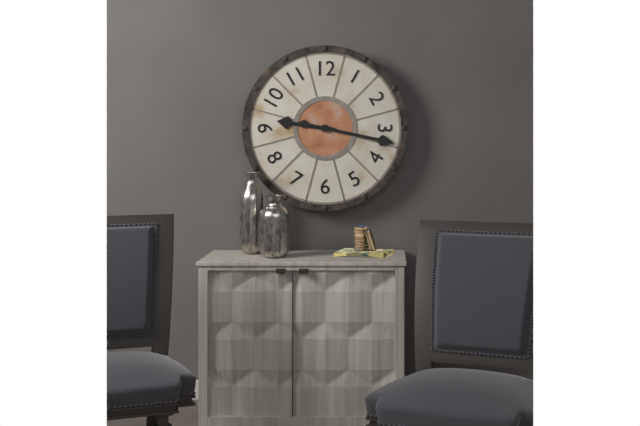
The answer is **9:17**
